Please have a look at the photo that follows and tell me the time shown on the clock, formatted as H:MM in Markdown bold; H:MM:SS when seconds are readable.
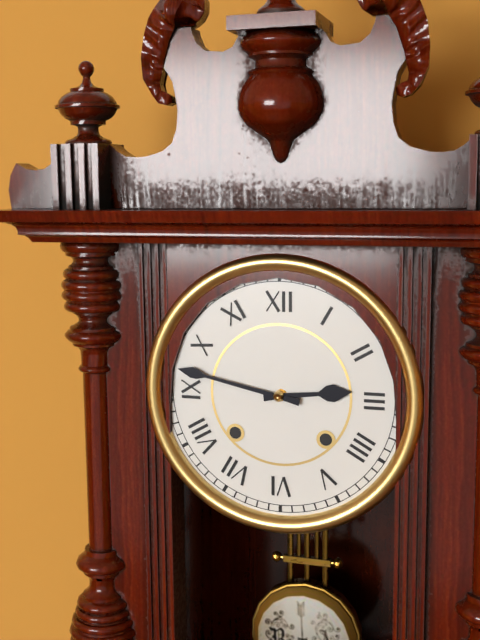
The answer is **2:47**
